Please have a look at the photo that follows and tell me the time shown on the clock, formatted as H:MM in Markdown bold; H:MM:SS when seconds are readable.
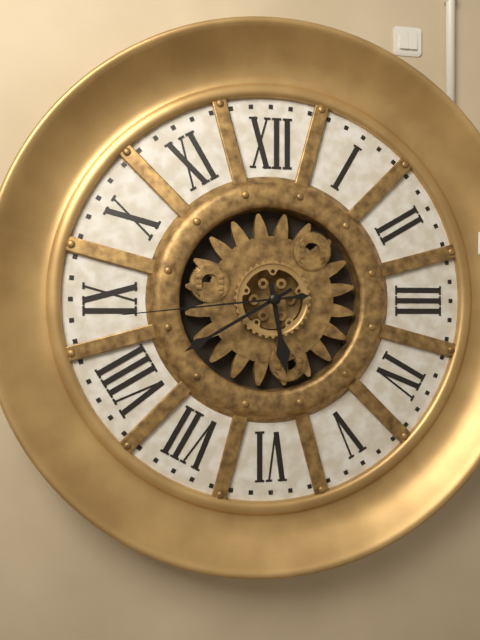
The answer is **5:40:44**
